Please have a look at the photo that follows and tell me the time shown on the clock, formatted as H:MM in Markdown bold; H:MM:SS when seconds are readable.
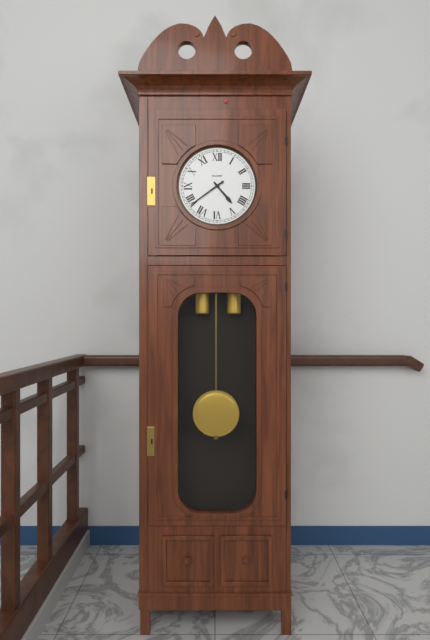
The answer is **4:39**
